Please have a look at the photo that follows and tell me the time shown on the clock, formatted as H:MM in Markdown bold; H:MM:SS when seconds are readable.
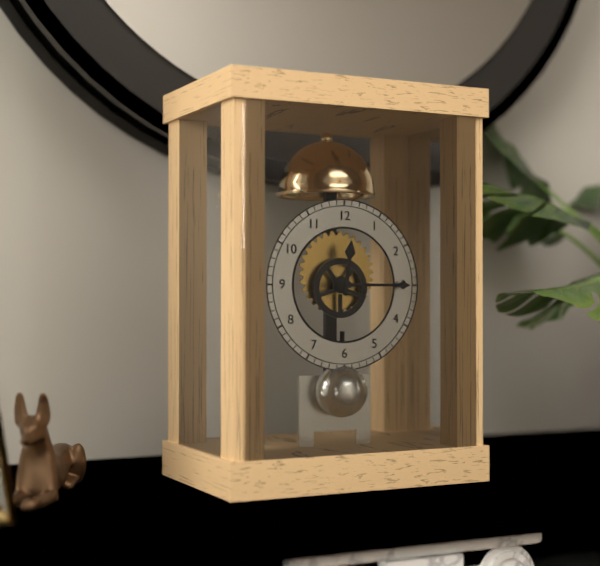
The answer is **12:15**
